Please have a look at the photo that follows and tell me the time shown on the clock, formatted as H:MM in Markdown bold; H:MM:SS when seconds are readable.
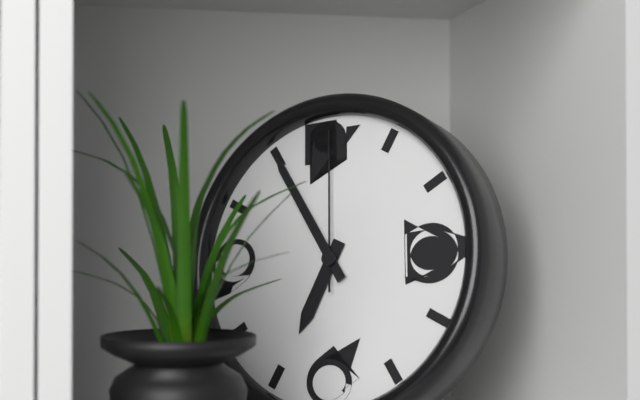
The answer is **6:55:00**
